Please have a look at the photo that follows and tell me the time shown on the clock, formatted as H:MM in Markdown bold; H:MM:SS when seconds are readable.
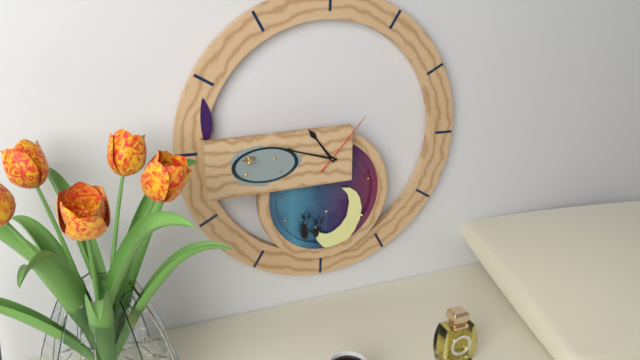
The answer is **10:48:07**
